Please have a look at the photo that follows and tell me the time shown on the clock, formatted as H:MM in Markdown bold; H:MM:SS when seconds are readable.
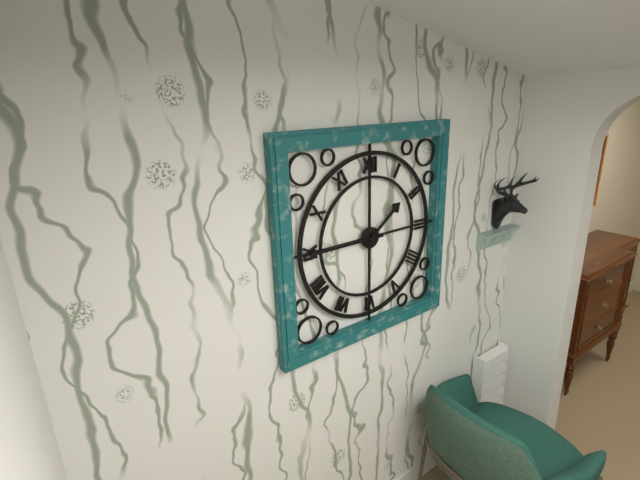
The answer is **1:45**
